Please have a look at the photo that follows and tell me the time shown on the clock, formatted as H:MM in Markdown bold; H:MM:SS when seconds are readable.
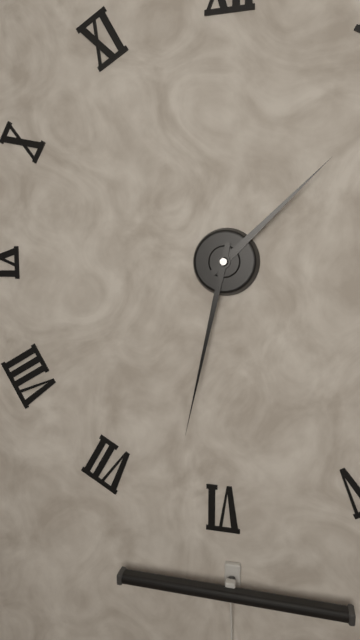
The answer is **1:32**
